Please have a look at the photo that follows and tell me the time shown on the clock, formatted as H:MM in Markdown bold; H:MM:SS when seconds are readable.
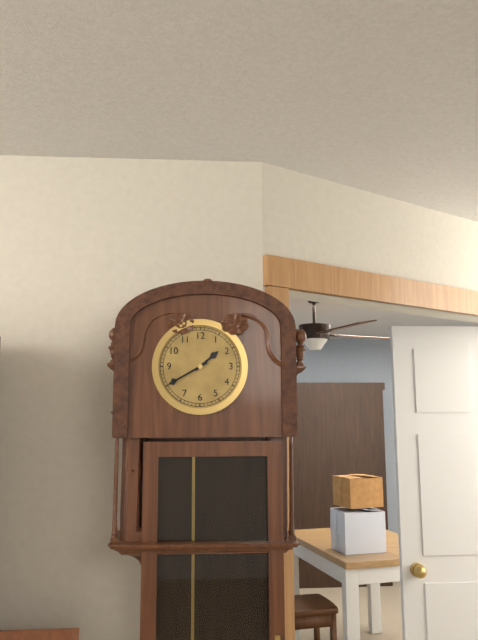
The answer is **1:40**
